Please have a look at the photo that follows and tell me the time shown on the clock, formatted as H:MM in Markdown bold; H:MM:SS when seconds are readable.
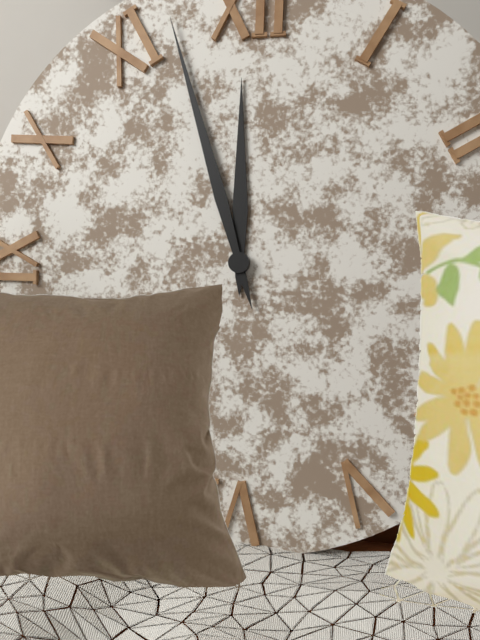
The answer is **11:57**
